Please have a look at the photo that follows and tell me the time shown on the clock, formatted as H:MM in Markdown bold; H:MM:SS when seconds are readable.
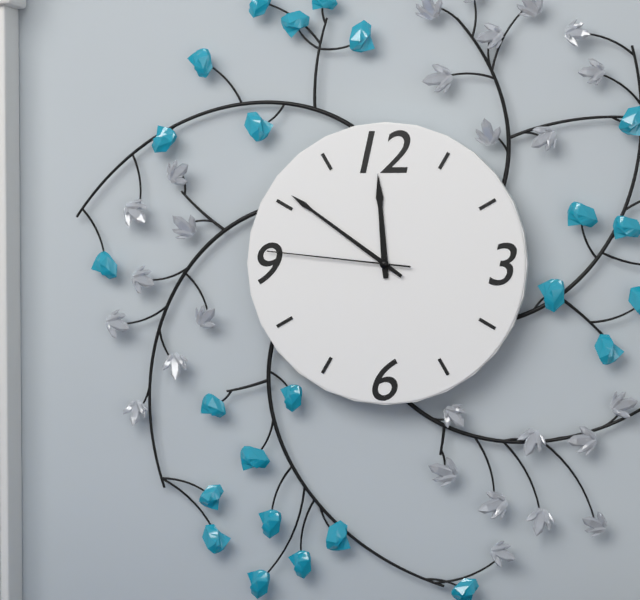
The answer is **11:51:46**
